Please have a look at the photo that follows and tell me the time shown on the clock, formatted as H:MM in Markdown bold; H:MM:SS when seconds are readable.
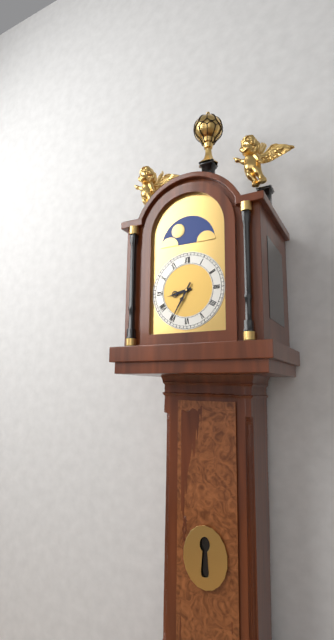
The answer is **8:35**
